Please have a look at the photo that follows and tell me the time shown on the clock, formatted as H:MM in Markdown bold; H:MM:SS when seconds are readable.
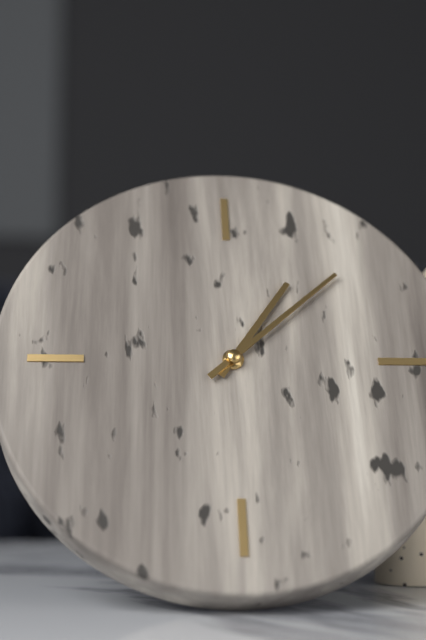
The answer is **1:08**
